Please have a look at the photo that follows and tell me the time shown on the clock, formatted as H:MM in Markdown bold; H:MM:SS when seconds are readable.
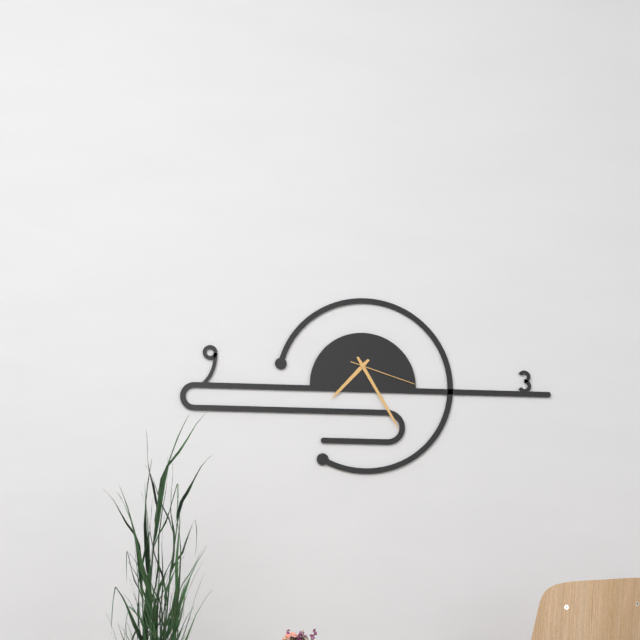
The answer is **7:25:18**
